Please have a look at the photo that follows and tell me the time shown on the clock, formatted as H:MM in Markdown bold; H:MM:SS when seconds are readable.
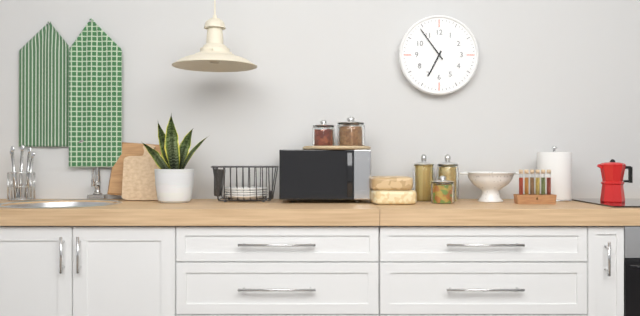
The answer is **6:54**
